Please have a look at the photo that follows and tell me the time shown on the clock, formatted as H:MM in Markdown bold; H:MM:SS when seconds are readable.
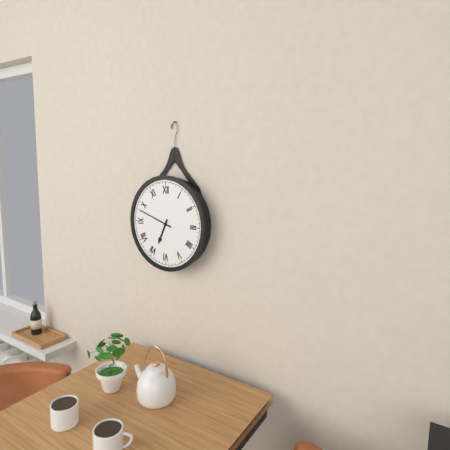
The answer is **6:48**
